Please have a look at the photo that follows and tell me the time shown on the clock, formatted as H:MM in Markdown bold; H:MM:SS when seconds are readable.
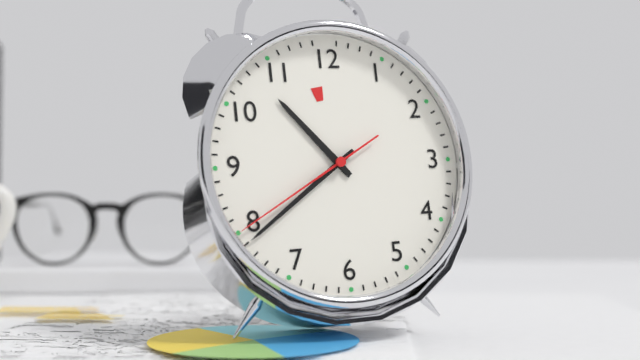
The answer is **10:39:40**
